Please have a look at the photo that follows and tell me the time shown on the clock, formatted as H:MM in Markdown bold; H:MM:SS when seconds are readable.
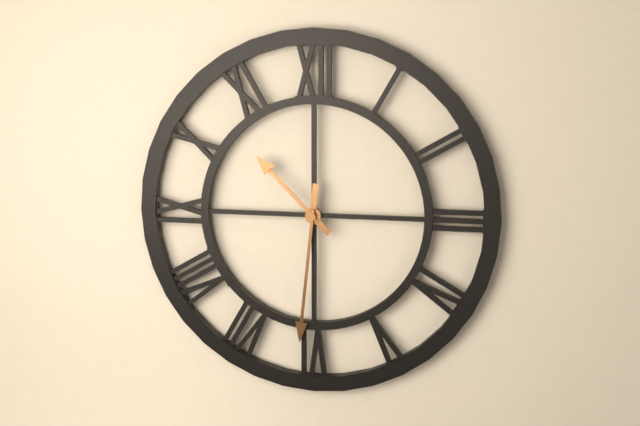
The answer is **10:31**
